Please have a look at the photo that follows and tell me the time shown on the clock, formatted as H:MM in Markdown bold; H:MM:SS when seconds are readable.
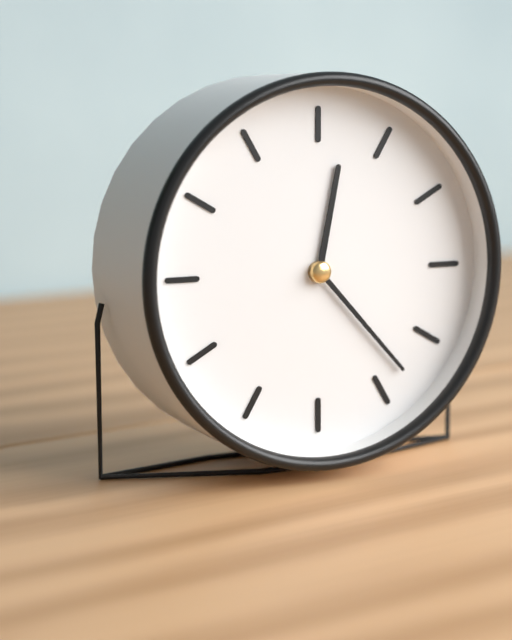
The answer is **12:23**
